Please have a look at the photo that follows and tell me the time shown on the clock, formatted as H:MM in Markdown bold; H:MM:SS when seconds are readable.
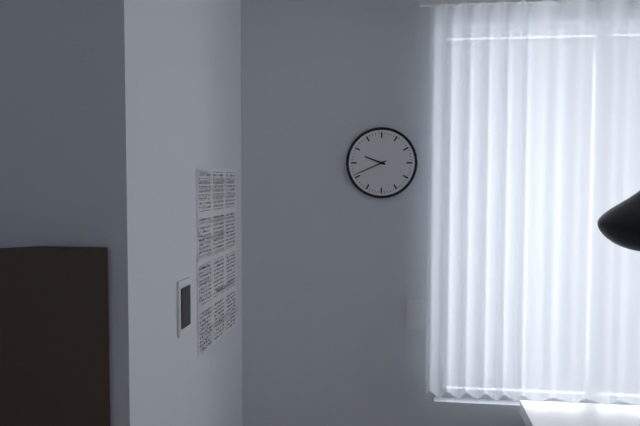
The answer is **9:41**
